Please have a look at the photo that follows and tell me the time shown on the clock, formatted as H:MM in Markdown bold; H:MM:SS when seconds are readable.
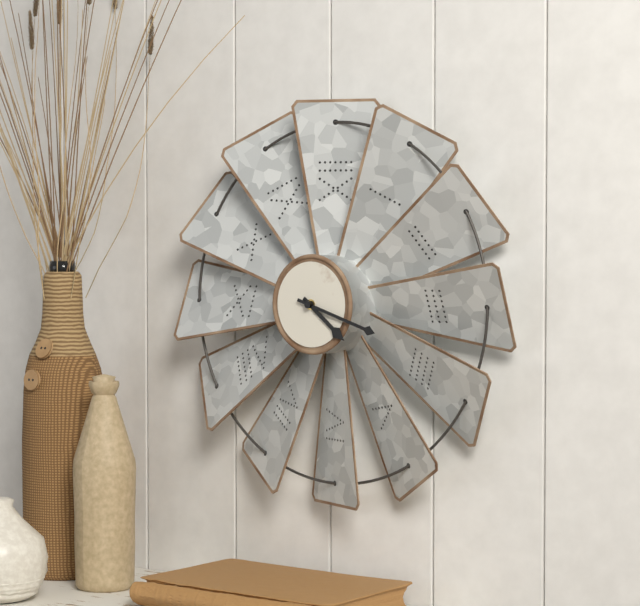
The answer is **4:18**
